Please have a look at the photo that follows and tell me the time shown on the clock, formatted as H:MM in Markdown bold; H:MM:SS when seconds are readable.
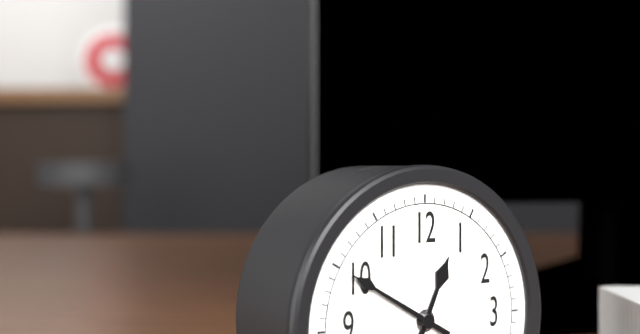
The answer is **12:50**
